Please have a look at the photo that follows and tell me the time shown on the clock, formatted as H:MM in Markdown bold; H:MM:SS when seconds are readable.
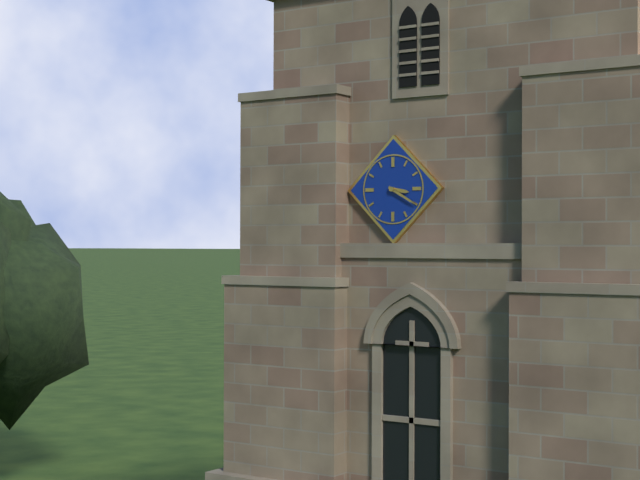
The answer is **3:20**
